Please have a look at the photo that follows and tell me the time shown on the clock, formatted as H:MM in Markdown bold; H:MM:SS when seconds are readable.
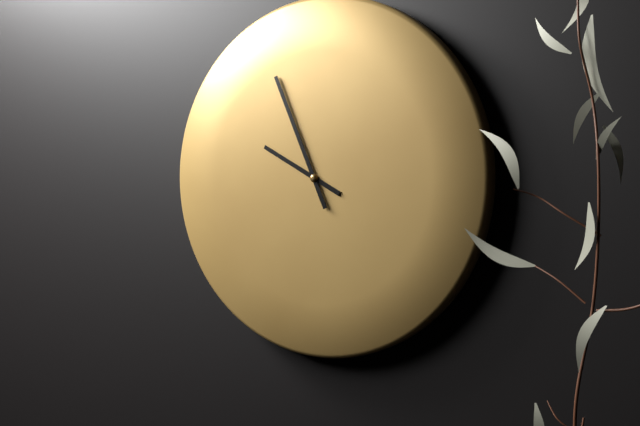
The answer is **9:56**
